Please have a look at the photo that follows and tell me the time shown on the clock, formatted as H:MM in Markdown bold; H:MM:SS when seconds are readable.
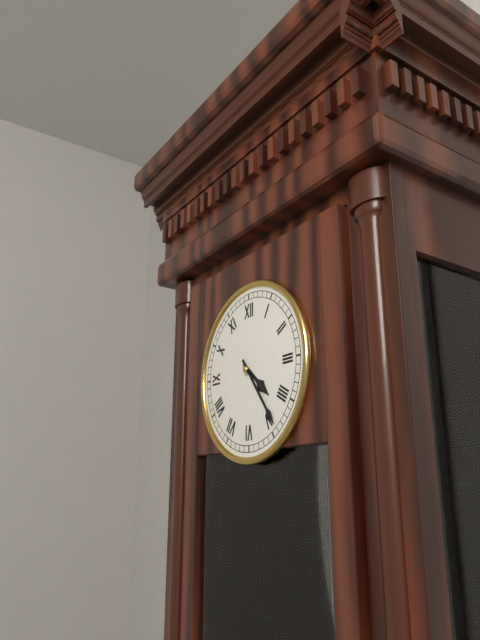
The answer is **4:24**
